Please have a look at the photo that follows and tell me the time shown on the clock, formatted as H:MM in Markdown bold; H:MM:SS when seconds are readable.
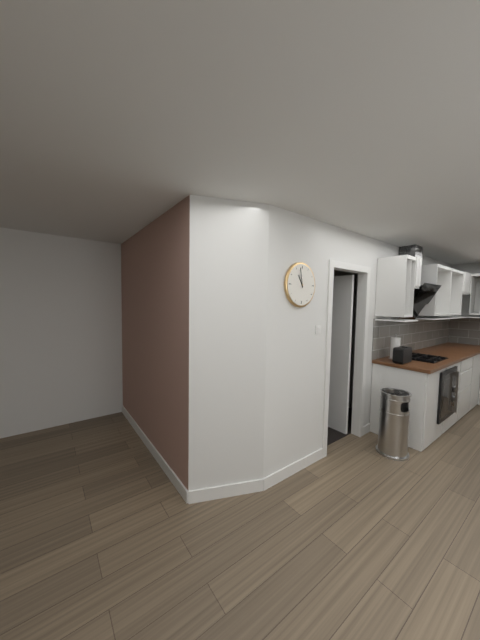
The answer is **10:58**
